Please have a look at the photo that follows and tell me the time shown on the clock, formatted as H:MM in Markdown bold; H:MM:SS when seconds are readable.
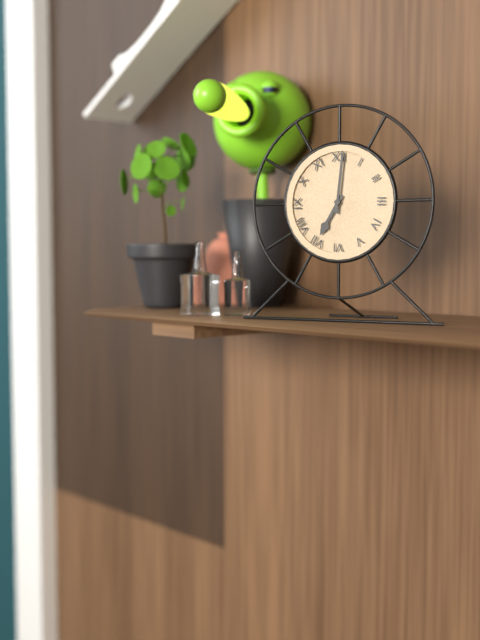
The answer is **7:01**
